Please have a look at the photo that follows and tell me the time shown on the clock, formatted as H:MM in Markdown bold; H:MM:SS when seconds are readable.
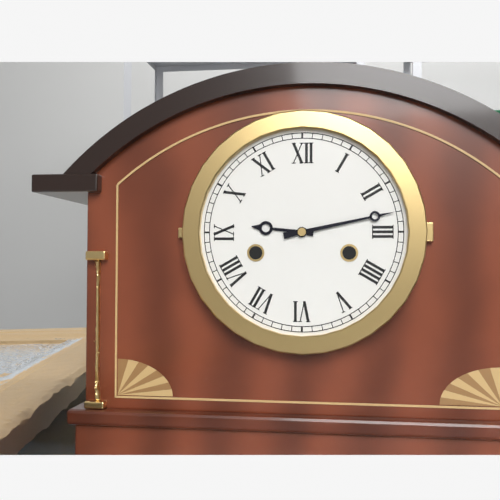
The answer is **9:13**
